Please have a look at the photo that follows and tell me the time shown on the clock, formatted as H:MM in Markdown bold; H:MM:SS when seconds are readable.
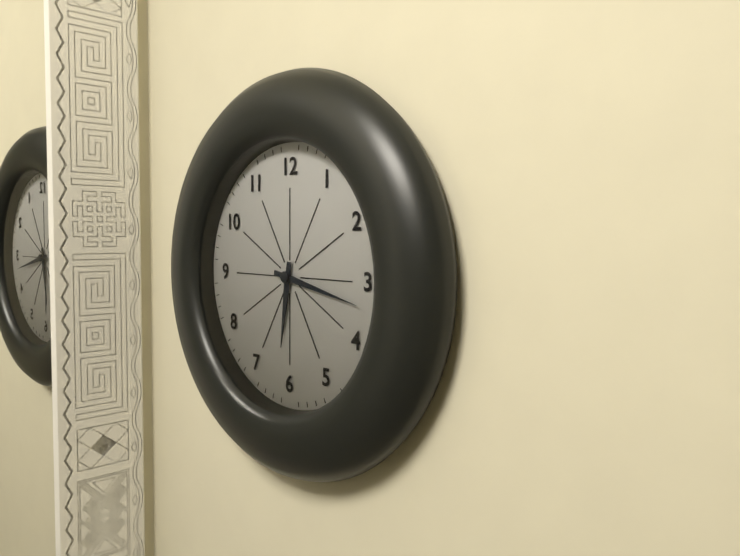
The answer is **6:17**
